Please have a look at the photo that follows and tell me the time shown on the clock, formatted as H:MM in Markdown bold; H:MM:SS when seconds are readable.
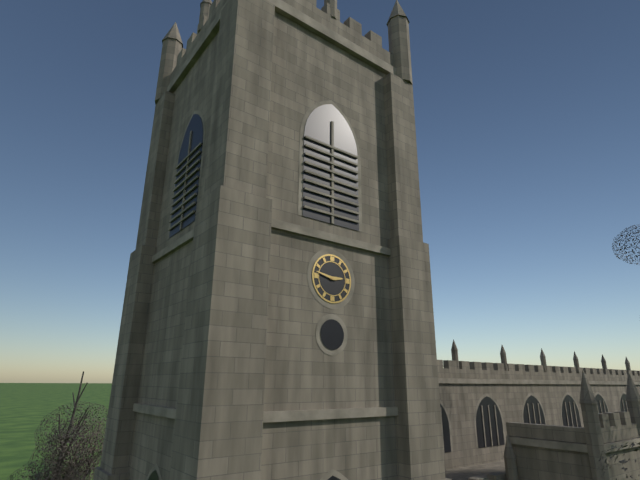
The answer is **2:47**
